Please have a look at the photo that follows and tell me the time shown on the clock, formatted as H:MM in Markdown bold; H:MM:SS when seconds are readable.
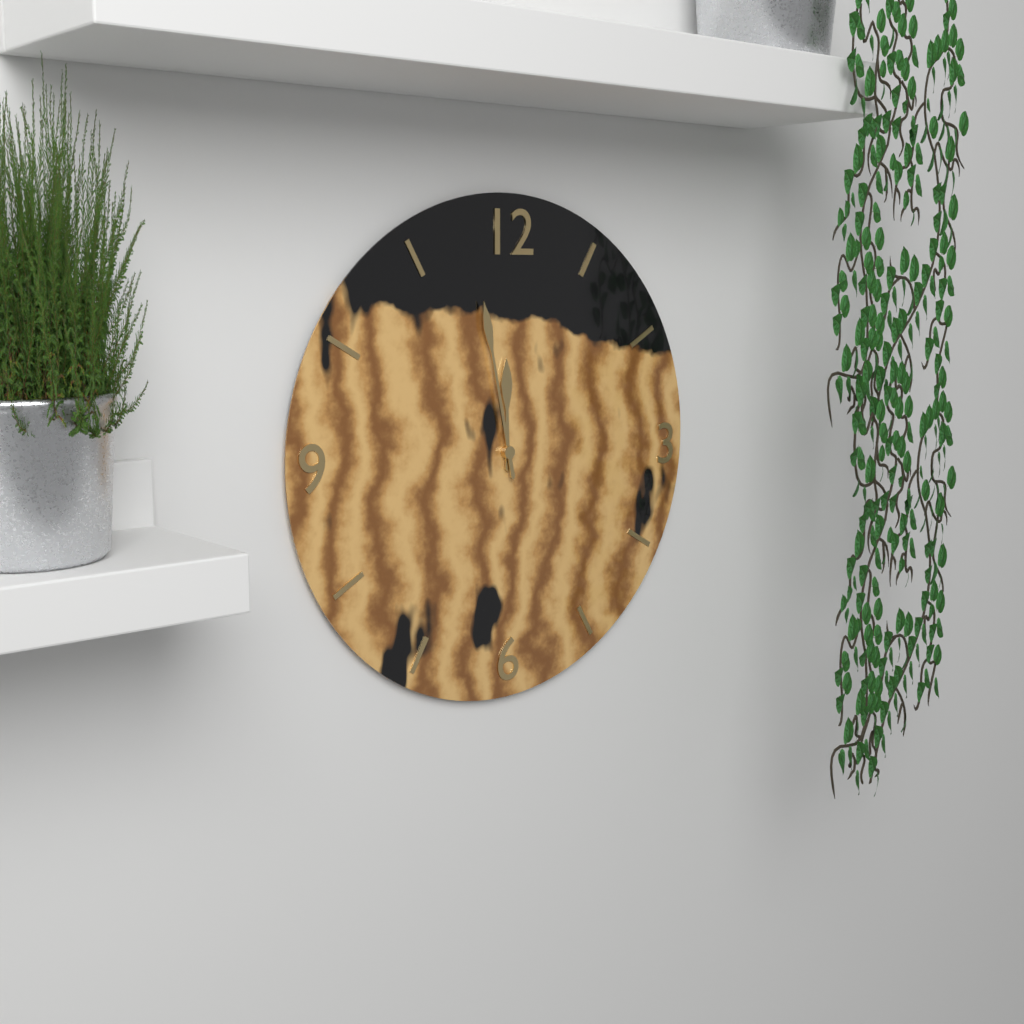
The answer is **11:58**
